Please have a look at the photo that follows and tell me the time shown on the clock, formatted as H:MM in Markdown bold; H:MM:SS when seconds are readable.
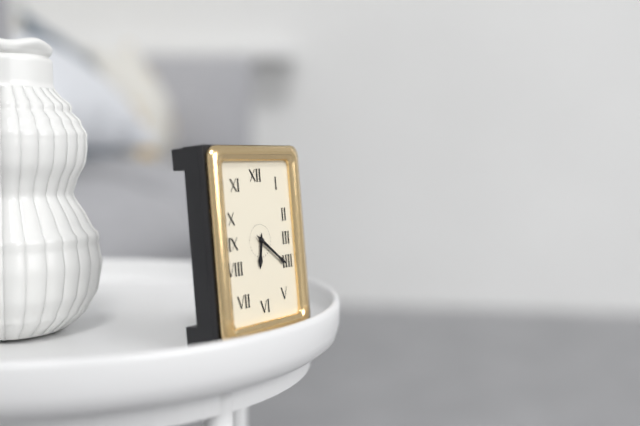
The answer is **6:21**
